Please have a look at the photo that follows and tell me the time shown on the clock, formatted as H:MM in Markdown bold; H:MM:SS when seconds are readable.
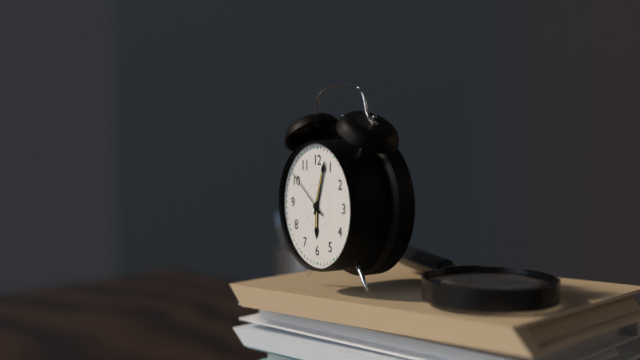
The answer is **6:03:51**
